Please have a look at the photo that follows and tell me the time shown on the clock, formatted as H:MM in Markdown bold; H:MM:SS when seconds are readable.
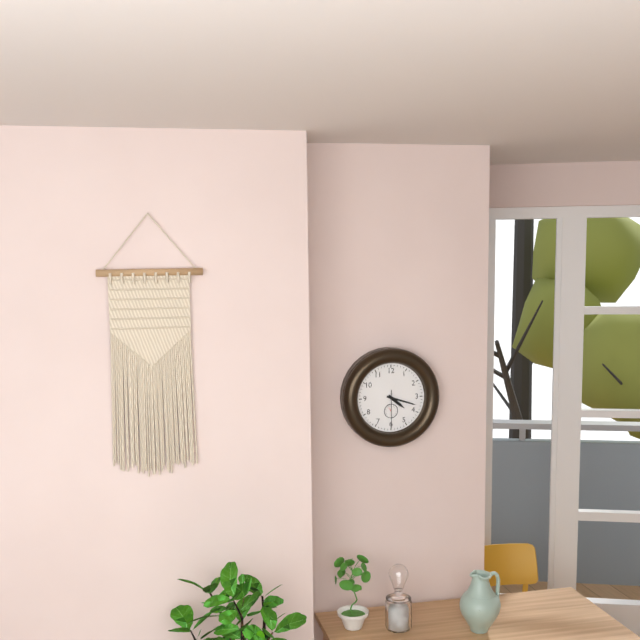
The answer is **4:18**
